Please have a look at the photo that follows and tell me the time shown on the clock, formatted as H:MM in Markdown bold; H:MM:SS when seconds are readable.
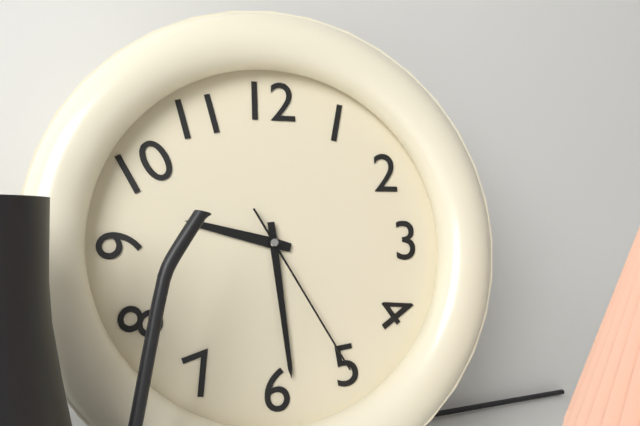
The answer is **9:29:25**
